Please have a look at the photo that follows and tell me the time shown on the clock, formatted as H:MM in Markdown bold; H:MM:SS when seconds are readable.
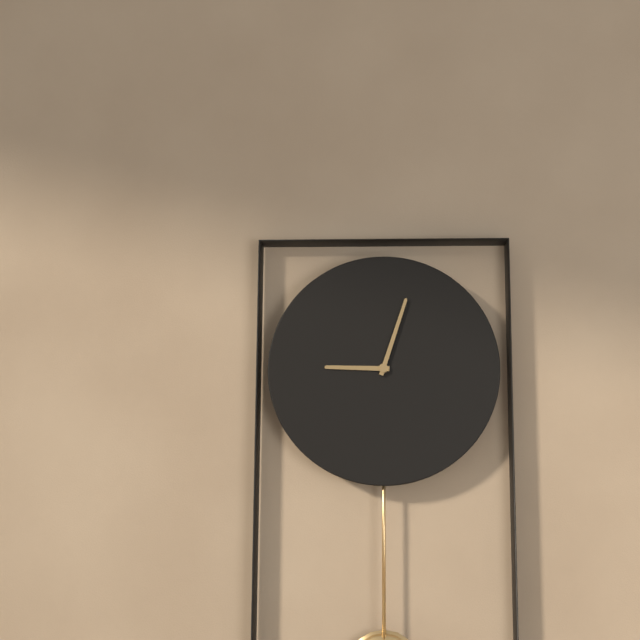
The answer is **9:03**
